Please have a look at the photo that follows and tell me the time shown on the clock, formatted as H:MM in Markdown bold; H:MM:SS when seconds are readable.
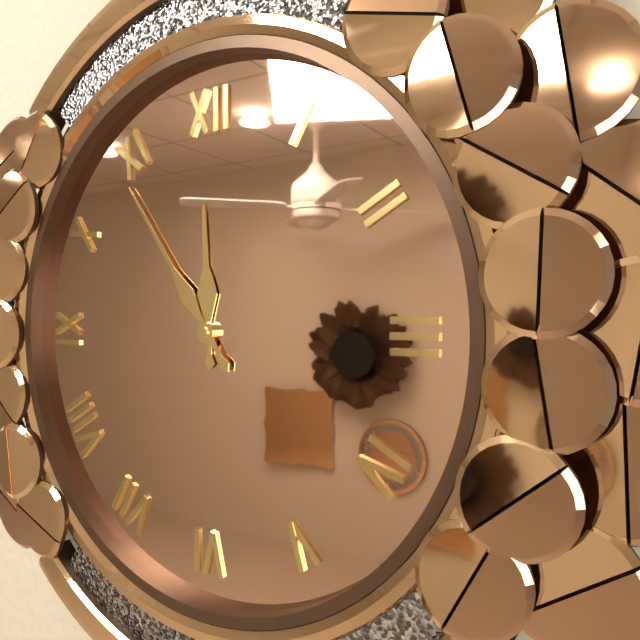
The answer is **11:54**
